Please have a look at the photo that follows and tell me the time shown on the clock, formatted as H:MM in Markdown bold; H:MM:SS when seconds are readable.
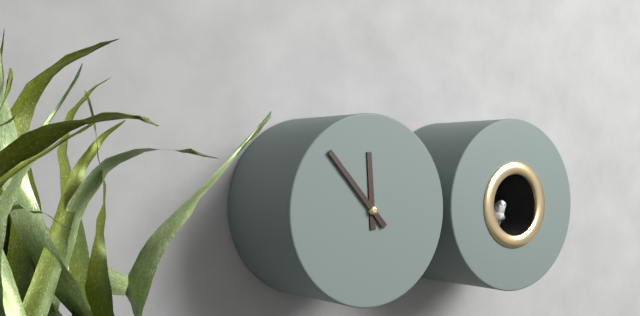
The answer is **11:53**
